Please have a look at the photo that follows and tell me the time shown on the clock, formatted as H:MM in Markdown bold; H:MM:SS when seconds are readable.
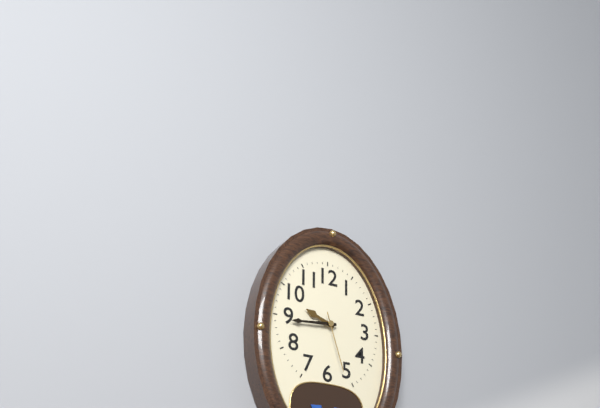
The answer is **9:44:27**
